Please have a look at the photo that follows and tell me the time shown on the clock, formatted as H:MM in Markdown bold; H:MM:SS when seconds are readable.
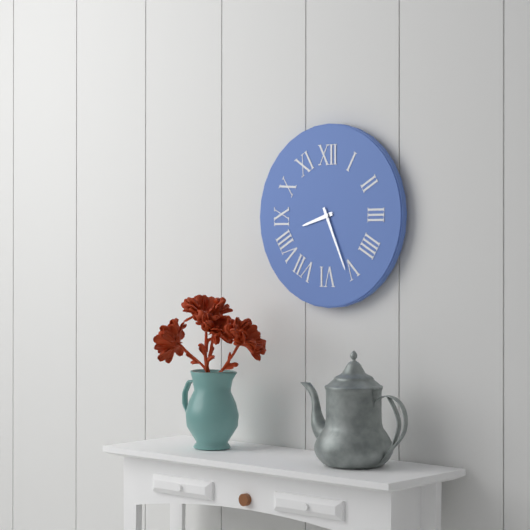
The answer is **8:26**
